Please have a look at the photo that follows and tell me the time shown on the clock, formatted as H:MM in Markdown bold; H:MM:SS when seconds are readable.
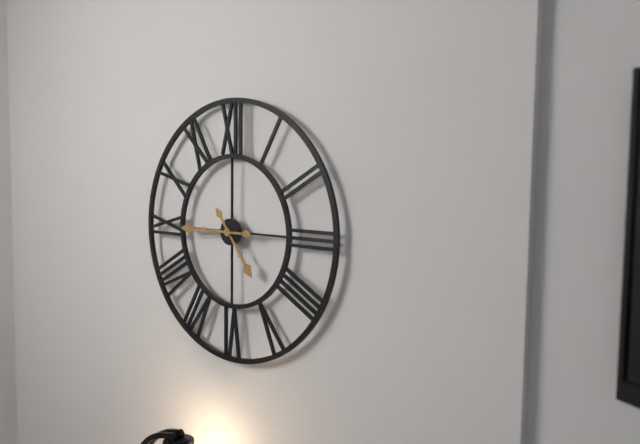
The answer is **4:45**
